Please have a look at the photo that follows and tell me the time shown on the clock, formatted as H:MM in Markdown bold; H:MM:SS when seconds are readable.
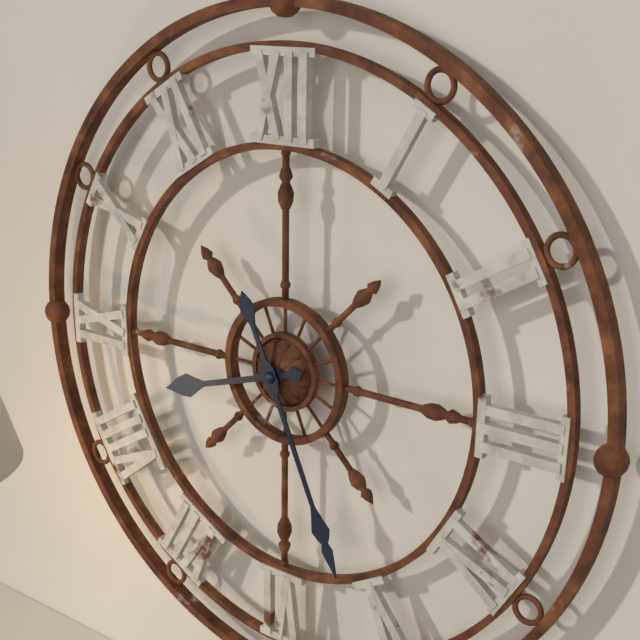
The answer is **8:26**
